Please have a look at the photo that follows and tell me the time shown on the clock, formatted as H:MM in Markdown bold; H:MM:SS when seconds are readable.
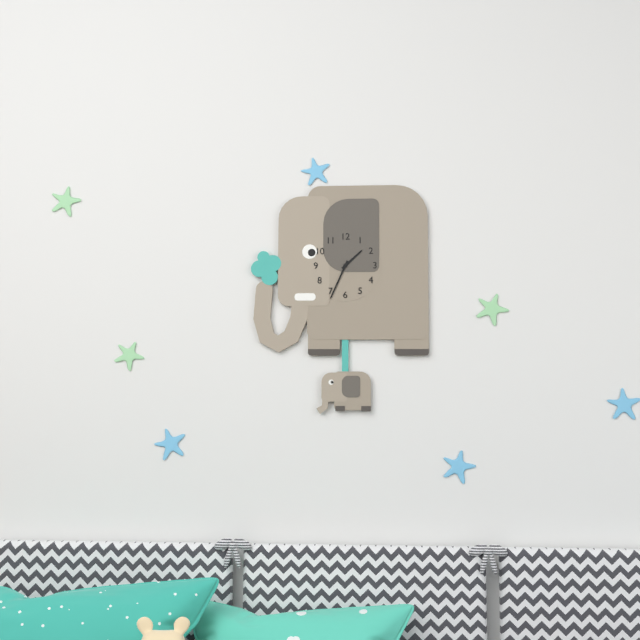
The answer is **1:34**
